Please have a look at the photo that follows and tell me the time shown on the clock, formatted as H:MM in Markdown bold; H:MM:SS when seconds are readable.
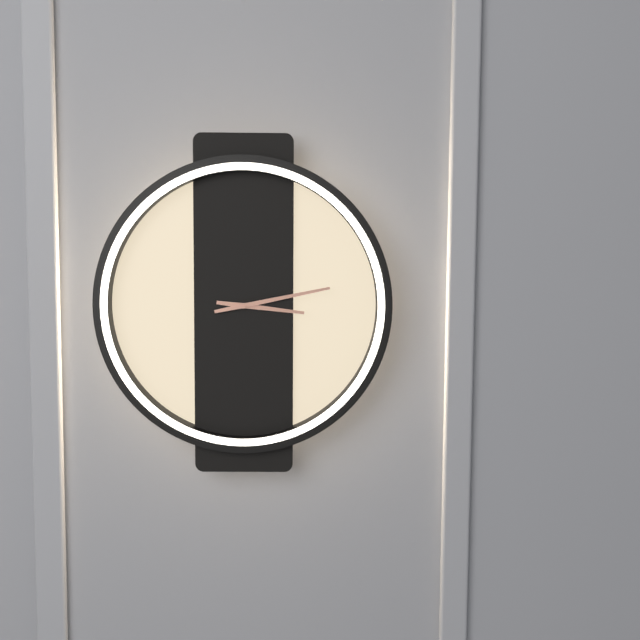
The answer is **3:13**
